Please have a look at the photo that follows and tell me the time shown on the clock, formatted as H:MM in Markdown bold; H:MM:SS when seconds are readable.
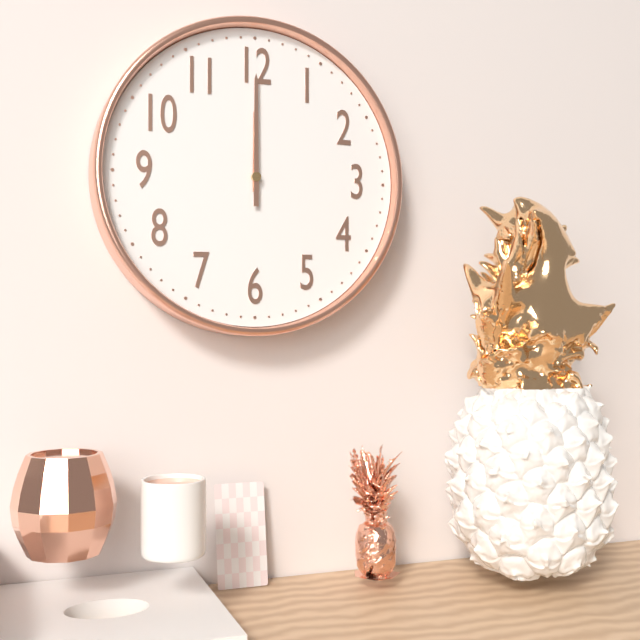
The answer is **12:00**
